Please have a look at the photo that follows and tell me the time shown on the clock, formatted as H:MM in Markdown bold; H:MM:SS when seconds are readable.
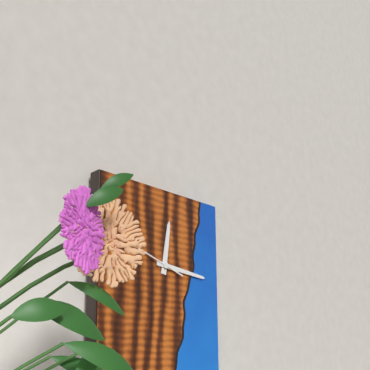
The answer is **12:16**
